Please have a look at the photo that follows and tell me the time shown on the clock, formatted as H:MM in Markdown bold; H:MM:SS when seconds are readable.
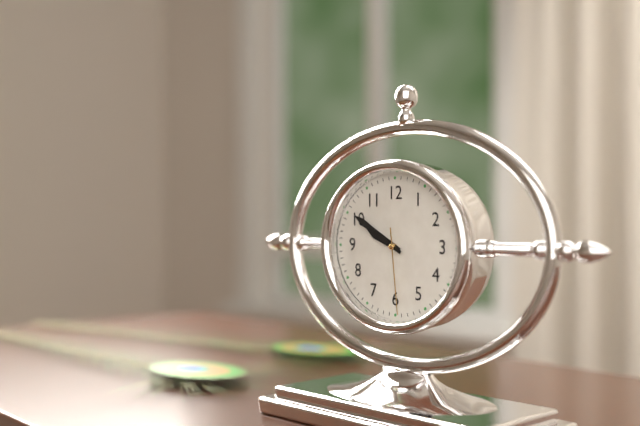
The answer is **9:50:29**
